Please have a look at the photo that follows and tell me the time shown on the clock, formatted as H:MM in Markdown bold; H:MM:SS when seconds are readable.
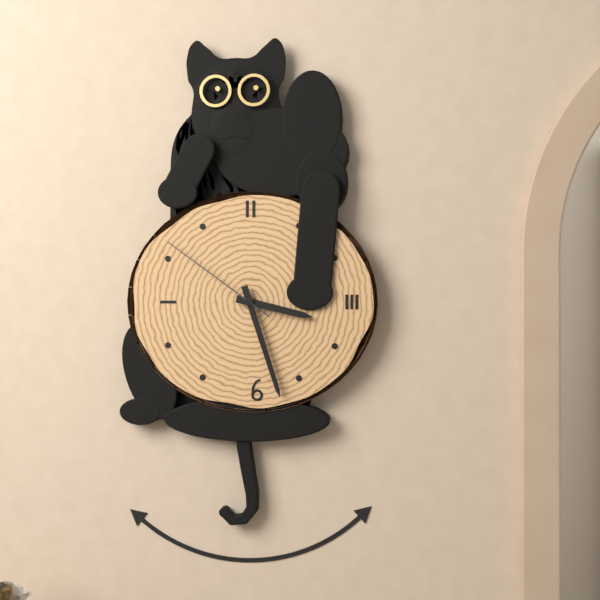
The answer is **3:27:51**
